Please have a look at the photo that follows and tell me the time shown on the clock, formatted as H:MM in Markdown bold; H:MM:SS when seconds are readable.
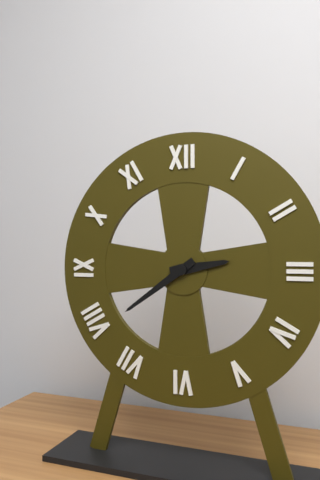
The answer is **2:39**
